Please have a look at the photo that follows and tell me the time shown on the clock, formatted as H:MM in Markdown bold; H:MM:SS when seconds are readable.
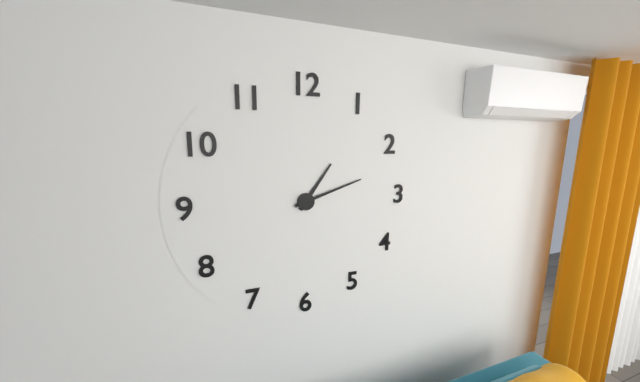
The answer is **1:12**
